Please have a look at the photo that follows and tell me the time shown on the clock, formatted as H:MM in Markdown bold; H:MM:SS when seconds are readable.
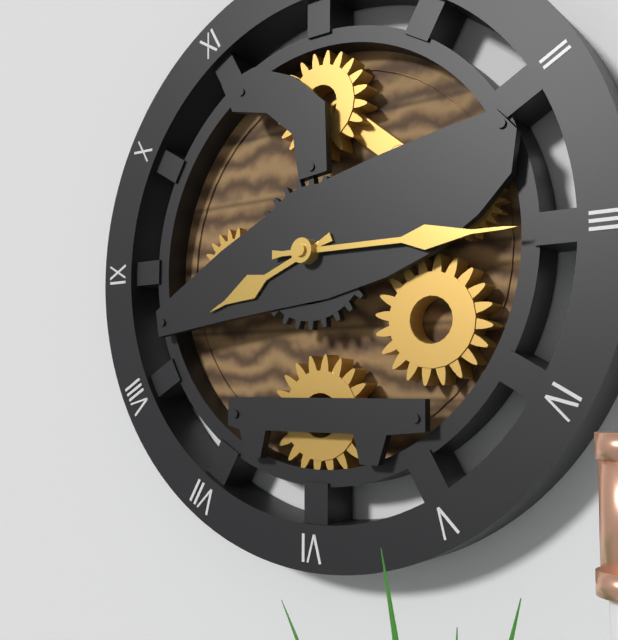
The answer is **8:15**
